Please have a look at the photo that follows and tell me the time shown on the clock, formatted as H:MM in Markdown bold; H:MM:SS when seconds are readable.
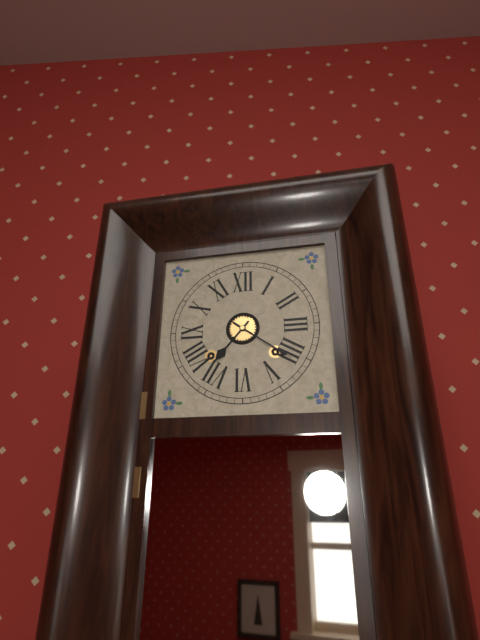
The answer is **7:21**
